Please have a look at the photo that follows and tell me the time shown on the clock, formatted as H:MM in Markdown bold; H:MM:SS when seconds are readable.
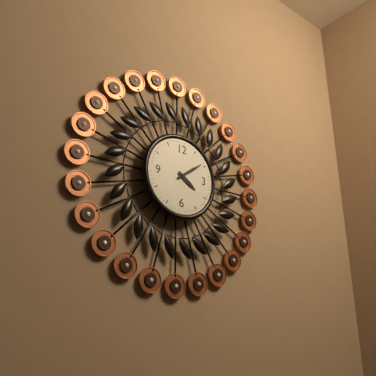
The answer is **4:09**
